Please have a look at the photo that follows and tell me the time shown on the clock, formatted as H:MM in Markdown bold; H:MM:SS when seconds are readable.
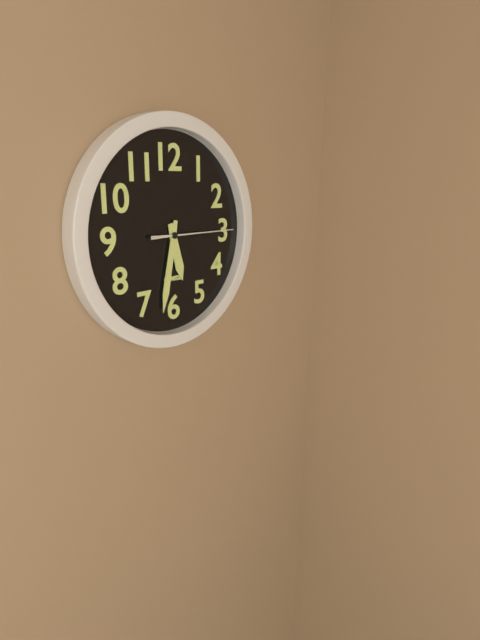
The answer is **5:32:15**
